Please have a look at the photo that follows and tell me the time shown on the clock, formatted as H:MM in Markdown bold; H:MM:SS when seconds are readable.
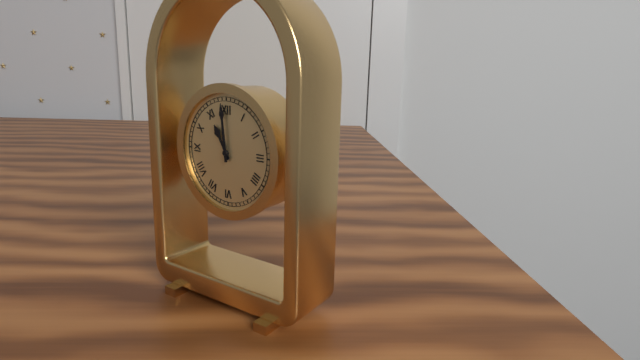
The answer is **10:59**
